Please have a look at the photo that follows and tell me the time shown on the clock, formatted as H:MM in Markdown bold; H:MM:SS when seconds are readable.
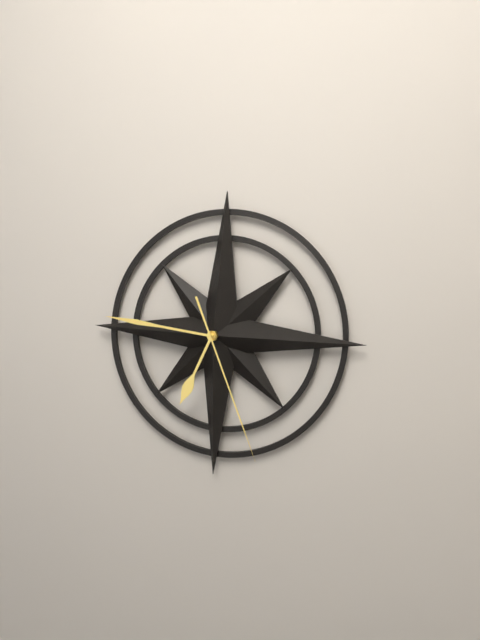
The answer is **6:46:26**
